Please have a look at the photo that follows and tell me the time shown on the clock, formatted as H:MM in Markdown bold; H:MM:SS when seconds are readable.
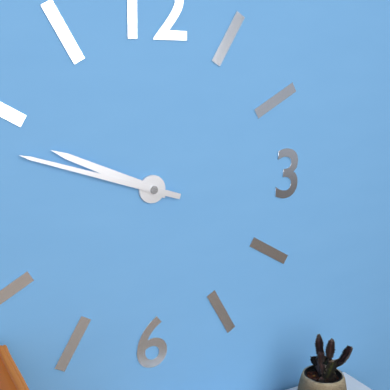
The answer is **9:48**
